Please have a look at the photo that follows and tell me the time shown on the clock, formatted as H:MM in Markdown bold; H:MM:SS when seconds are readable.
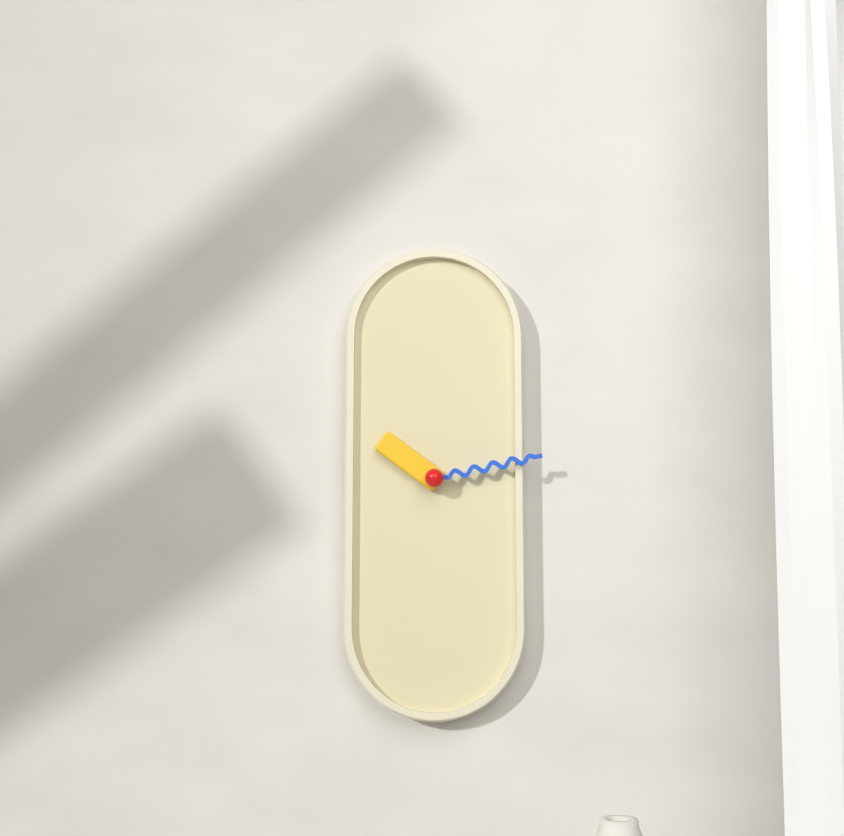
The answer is **10:13**
